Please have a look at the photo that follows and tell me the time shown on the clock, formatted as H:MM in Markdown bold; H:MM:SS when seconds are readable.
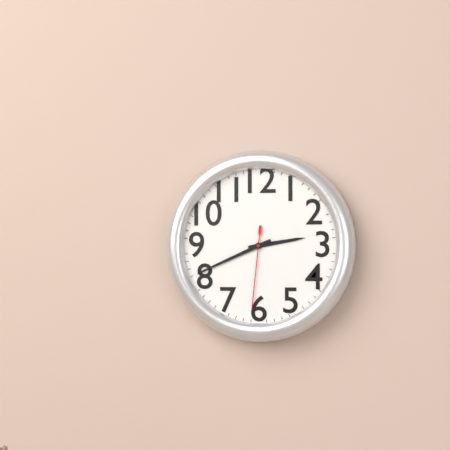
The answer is **2:41:31**
